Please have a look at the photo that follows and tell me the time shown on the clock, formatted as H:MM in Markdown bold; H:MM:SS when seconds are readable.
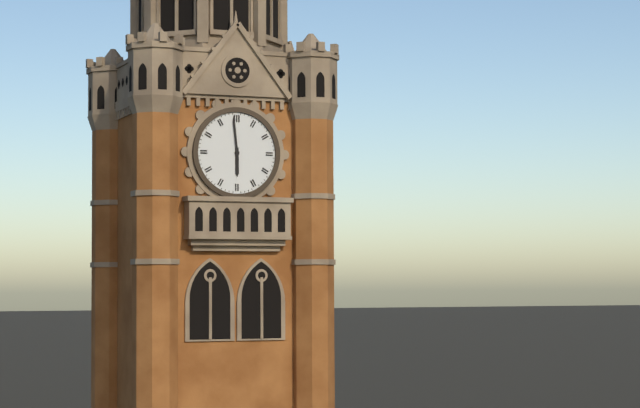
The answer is **5:59**
